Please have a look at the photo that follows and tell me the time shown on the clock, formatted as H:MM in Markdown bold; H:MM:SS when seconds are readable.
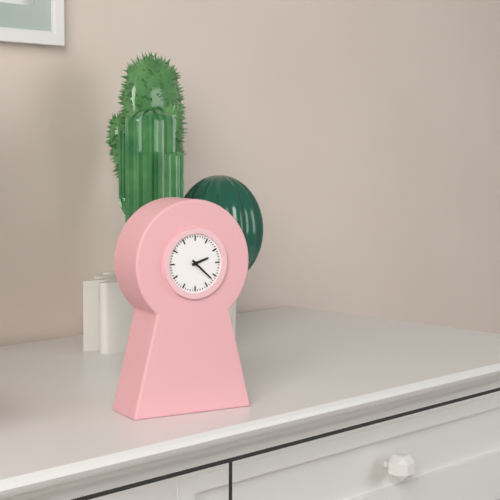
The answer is **2:22**
